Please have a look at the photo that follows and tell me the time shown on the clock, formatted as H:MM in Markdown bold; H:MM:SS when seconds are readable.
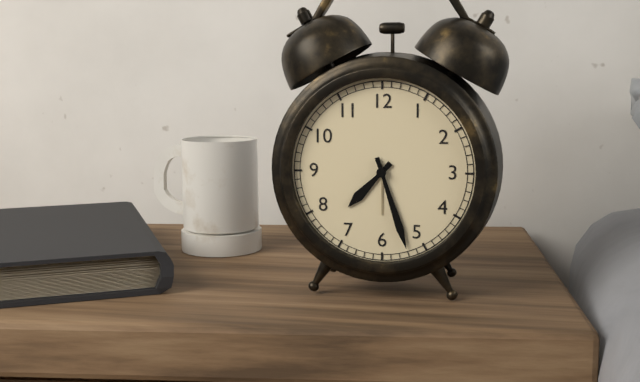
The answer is **7:27**
